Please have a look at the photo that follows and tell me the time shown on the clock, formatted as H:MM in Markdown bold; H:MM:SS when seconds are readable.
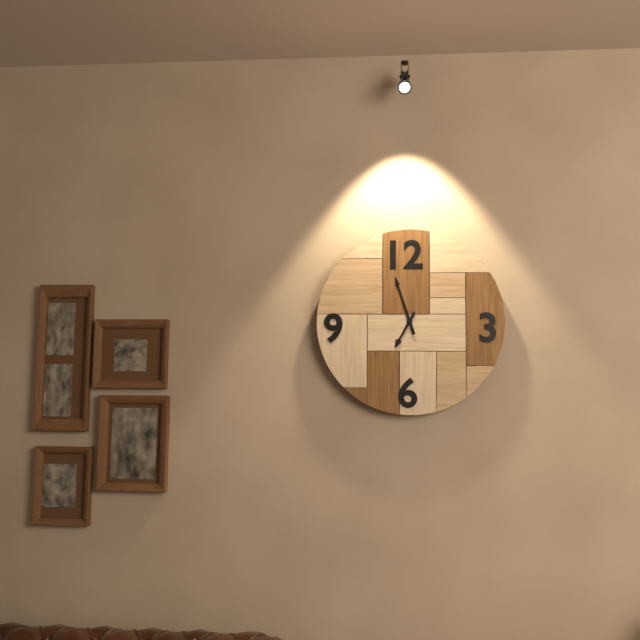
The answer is **6:57**
